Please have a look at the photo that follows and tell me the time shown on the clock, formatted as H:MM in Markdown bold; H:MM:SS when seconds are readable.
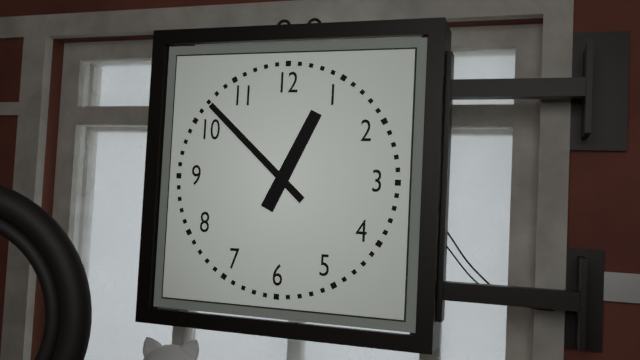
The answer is **12:52**
